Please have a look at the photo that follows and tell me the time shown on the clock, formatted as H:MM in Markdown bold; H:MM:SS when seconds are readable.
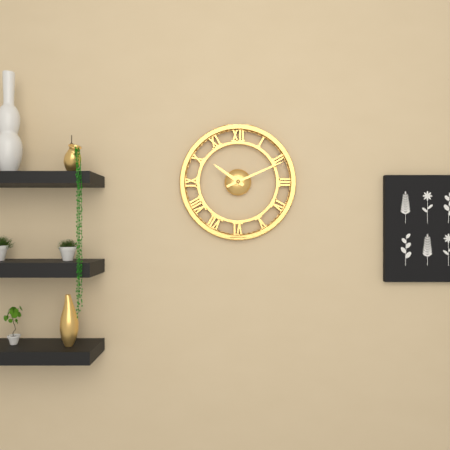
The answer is **10:11**
